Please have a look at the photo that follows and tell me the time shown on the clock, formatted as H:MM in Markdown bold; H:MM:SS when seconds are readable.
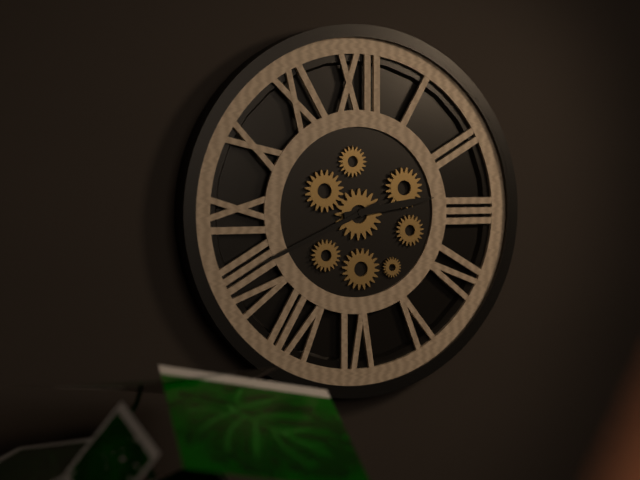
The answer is **2:41**
